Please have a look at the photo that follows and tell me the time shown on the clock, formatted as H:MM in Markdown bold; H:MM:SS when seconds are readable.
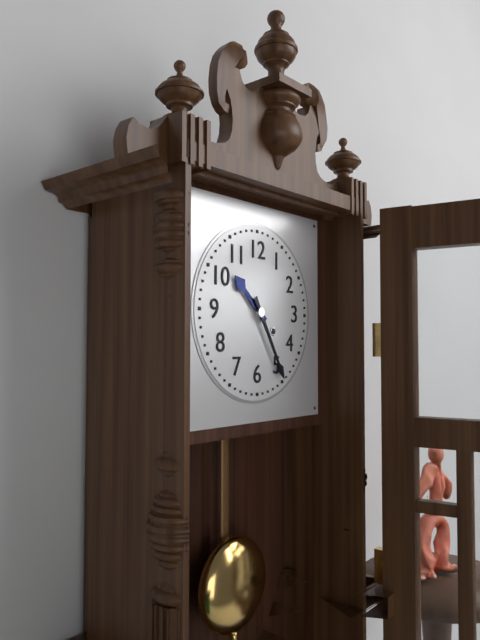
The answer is **10:25**
